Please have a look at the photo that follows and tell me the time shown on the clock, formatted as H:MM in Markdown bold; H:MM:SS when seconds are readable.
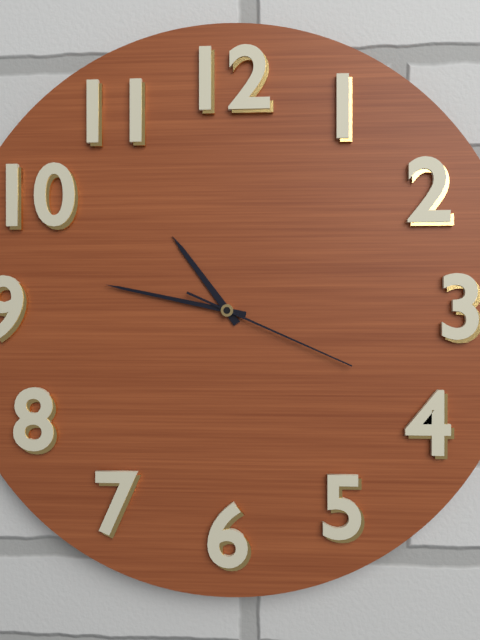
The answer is **10:47:19**
